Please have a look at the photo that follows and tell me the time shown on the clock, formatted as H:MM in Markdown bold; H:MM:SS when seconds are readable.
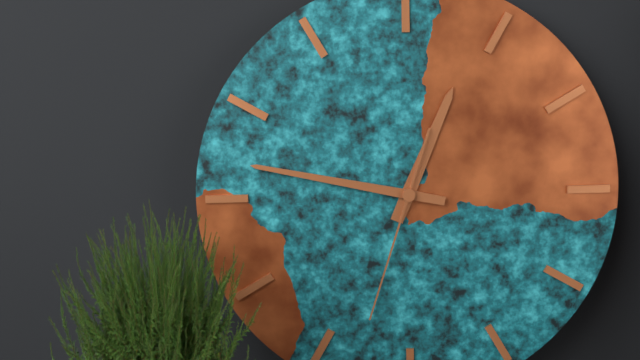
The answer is **12:47:33**
